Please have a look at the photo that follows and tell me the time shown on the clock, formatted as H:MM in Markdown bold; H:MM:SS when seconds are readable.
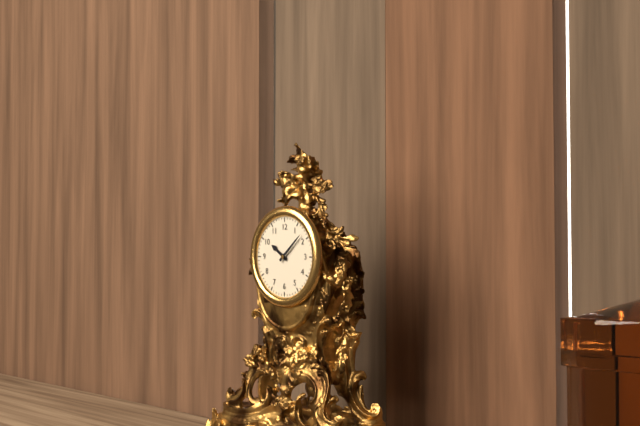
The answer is **10:08**
